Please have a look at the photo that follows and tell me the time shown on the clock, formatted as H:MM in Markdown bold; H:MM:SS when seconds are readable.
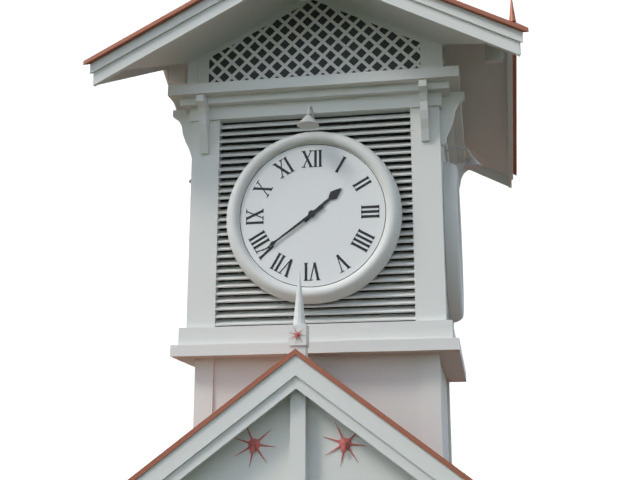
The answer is **1:39**
